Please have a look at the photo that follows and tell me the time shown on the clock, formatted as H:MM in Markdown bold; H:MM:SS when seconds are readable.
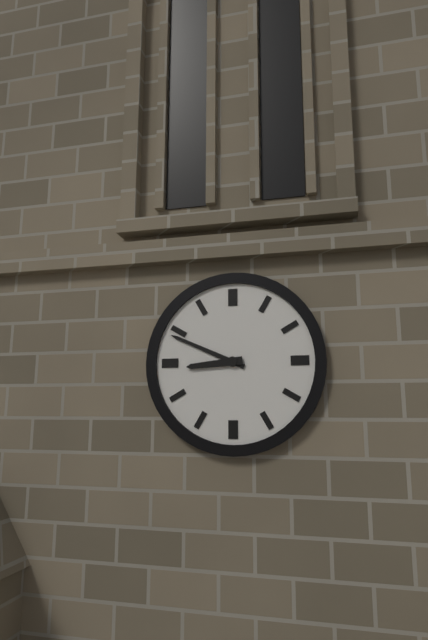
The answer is **8:49**
